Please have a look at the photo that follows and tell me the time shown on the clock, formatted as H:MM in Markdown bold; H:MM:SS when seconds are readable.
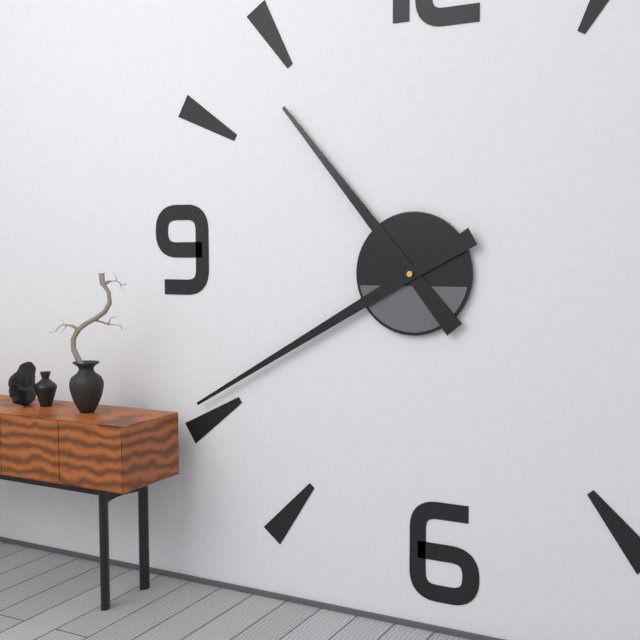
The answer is **10:40**
